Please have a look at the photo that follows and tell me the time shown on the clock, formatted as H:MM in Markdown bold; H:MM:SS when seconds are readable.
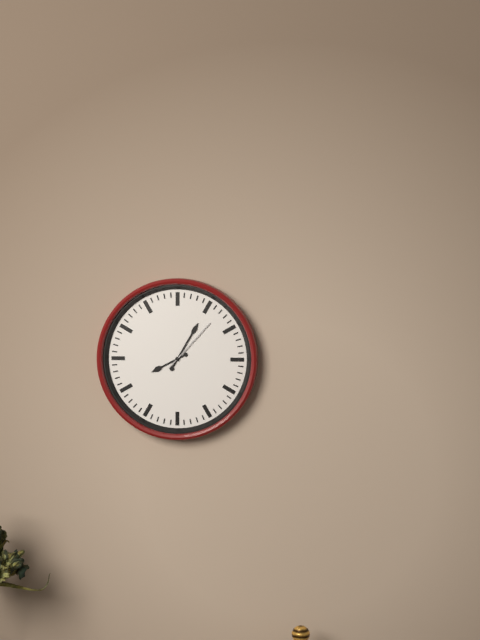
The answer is **8:05:07**
